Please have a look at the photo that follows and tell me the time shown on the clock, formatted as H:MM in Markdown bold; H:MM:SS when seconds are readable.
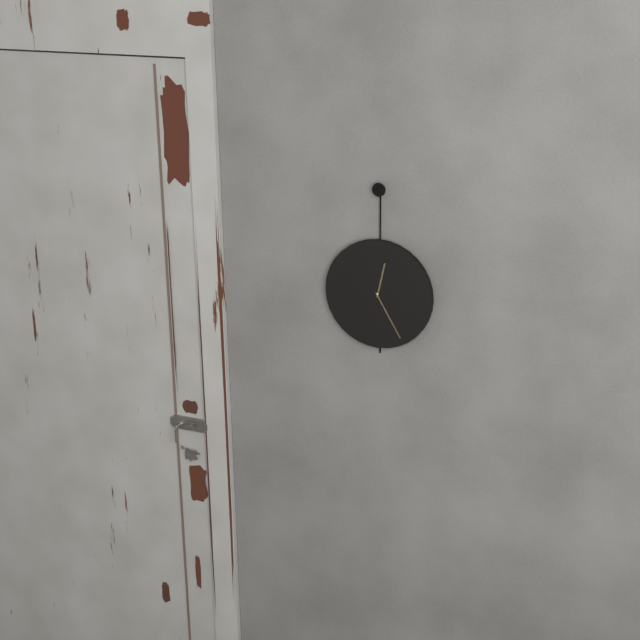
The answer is **12:25**
